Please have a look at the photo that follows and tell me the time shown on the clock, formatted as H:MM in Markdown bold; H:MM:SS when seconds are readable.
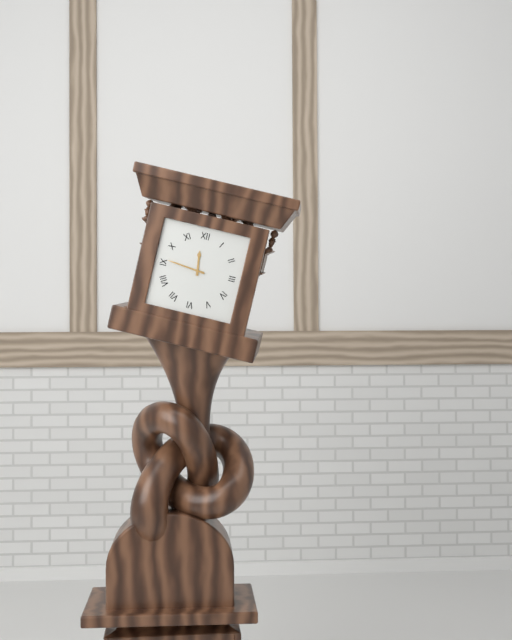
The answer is **11:46**
